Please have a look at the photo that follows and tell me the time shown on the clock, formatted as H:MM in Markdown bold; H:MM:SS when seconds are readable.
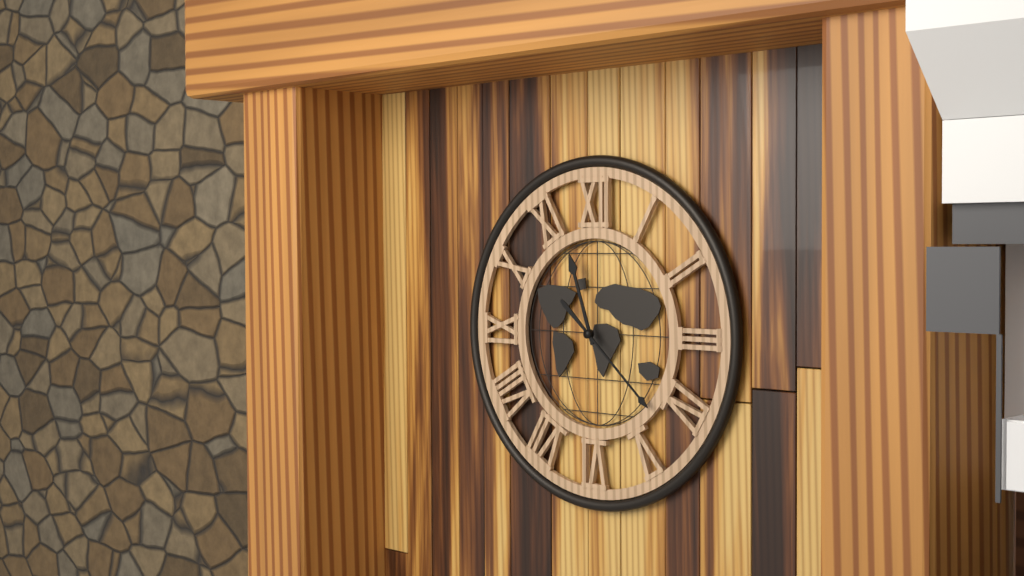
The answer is **11:22**
